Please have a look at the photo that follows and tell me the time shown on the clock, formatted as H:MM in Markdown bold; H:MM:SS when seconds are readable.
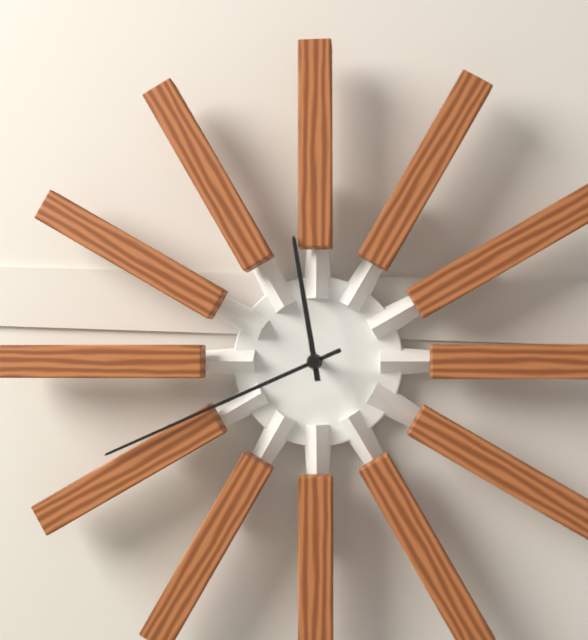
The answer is **11:41**
